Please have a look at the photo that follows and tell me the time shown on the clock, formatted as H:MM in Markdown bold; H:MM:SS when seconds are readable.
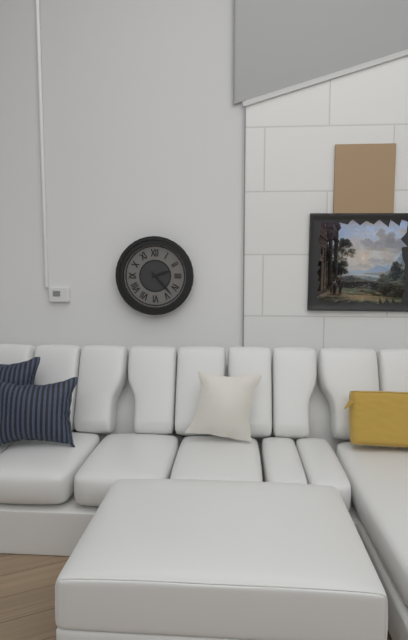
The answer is **2:23**
